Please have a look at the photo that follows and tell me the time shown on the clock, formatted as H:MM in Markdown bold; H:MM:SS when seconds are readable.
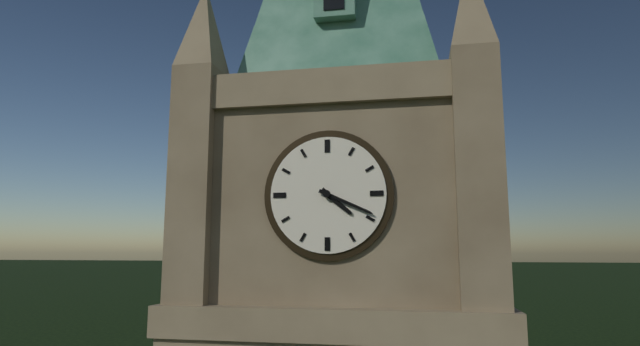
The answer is **4:19**
